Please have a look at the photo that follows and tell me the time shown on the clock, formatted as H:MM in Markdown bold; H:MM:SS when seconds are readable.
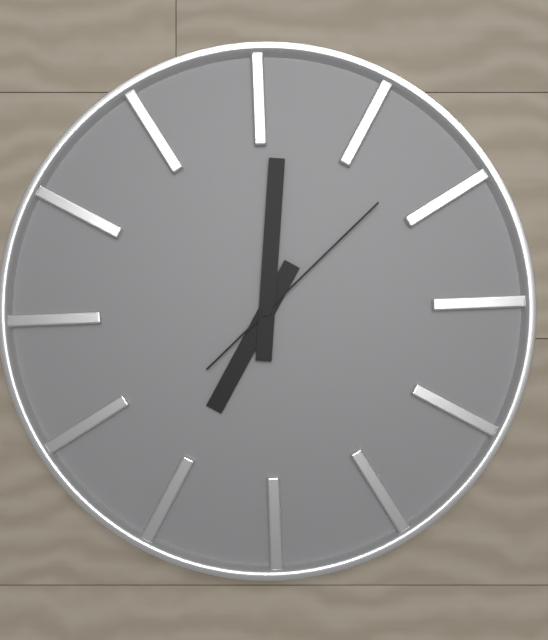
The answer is **7:01:08**
